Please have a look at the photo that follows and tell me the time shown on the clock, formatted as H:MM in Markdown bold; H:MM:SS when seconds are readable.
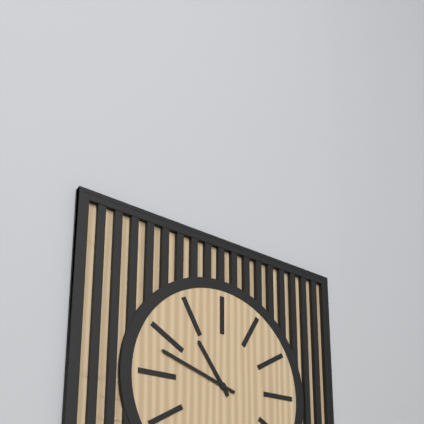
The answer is **10:48**
